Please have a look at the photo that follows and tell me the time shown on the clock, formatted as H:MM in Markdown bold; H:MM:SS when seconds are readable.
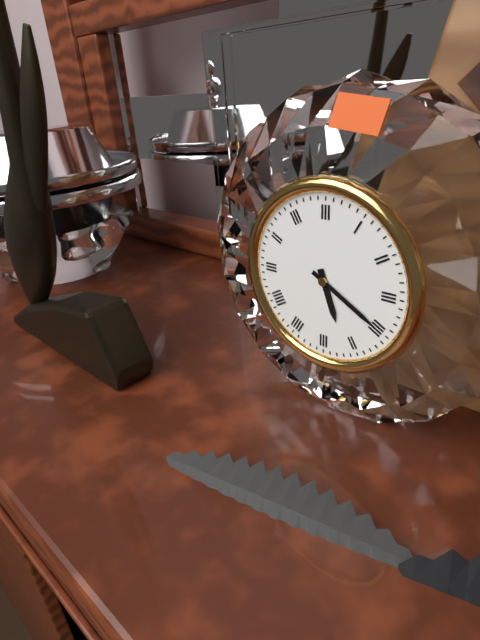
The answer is **5:20**
